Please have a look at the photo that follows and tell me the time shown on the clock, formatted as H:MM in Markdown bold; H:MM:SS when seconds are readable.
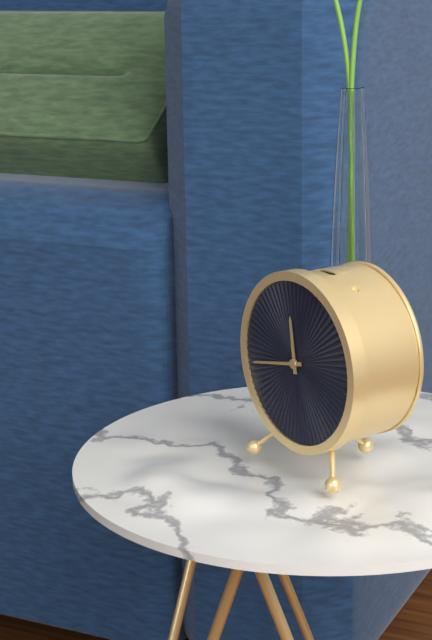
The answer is **11:43**
